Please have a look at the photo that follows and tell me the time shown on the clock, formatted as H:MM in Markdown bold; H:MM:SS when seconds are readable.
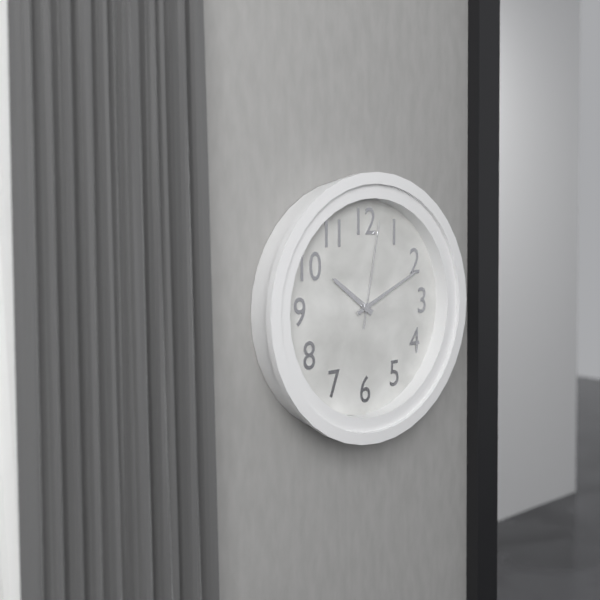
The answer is **10:11:02**
